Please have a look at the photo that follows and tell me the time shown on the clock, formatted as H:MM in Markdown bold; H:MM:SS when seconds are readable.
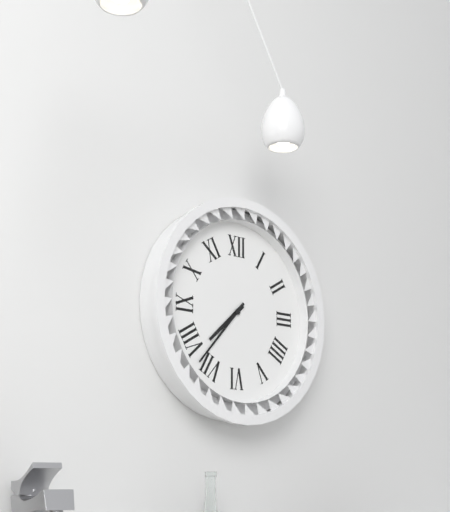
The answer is **7:37**
